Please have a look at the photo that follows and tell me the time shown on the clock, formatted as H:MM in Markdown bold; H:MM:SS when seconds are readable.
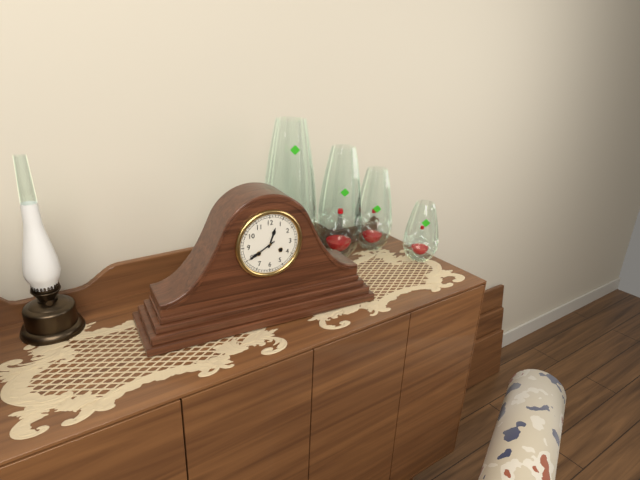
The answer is **12:40**
